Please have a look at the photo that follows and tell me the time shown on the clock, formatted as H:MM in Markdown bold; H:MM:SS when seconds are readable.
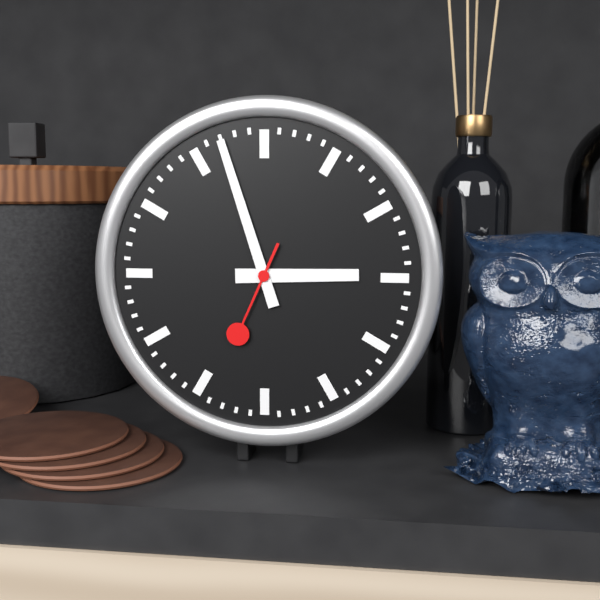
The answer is **2:57:34**
